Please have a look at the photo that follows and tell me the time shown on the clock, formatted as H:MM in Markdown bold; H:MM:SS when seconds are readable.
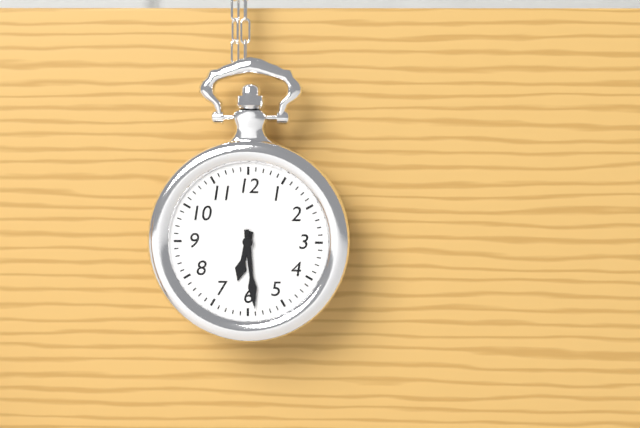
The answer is **6:29**
